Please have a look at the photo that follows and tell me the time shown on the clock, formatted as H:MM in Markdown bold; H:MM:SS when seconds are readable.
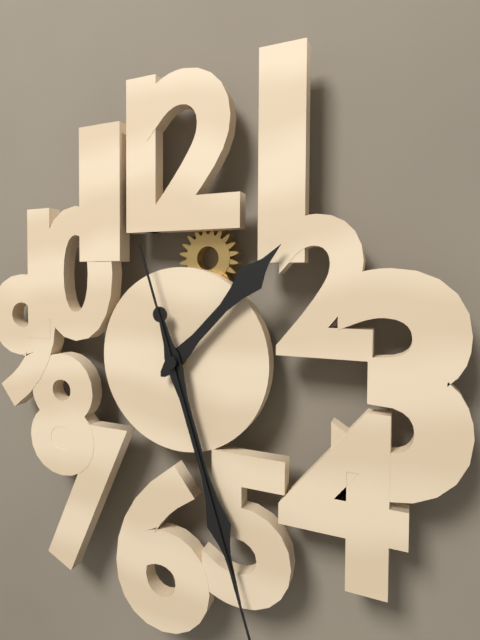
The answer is **1:27**
